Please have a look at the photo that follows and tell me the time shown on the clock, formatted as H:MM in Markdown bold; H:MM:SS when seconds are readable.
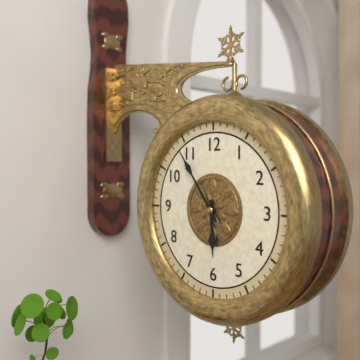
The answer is **5:54**
